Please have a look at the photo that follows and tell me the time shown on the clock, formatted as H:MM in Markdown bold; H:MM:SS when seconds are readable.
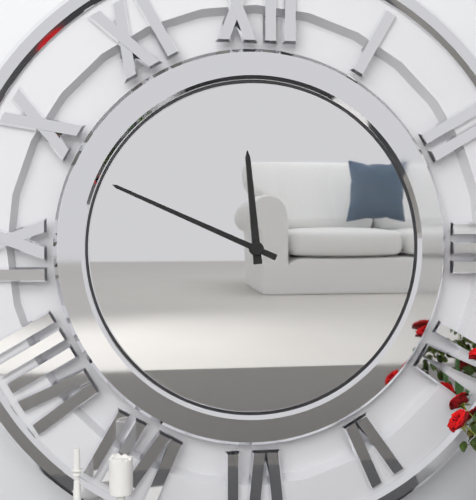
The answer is **11:49**
